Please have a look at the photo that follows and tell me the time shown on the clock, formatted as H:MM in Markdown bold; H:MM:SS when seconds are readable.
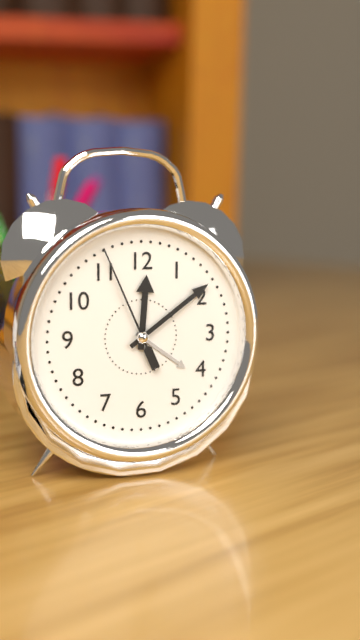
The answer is **12:09:56**
